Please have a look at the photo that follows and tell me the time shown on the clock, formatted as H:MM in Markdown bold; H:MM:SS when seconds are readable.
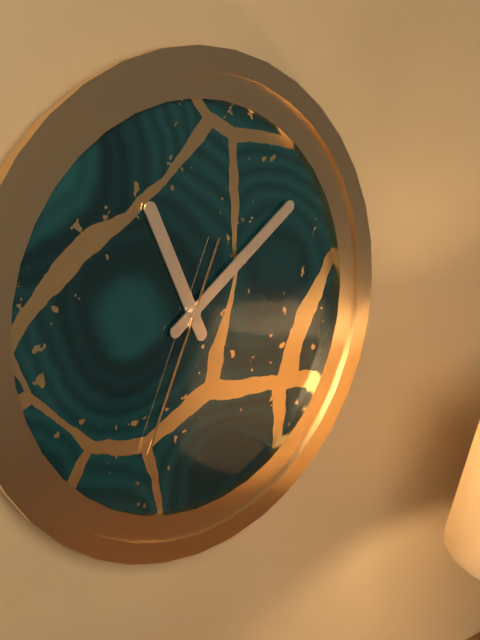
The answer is **11:09:34**
